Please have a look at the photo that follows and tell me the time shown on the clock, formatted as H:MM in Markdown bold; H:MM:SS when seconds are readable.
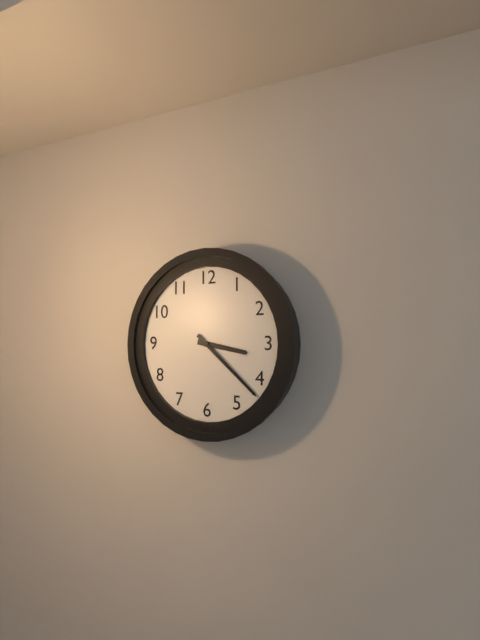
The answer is **3:22**
